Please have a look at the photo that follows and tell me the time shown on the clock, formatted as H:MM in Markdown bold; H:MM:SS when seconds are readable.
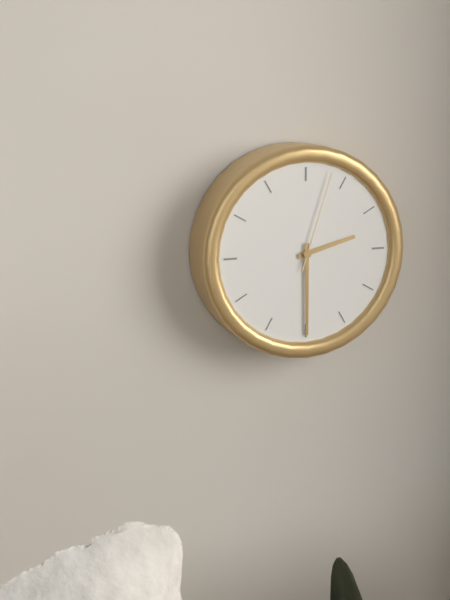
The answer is **2:30:03**
